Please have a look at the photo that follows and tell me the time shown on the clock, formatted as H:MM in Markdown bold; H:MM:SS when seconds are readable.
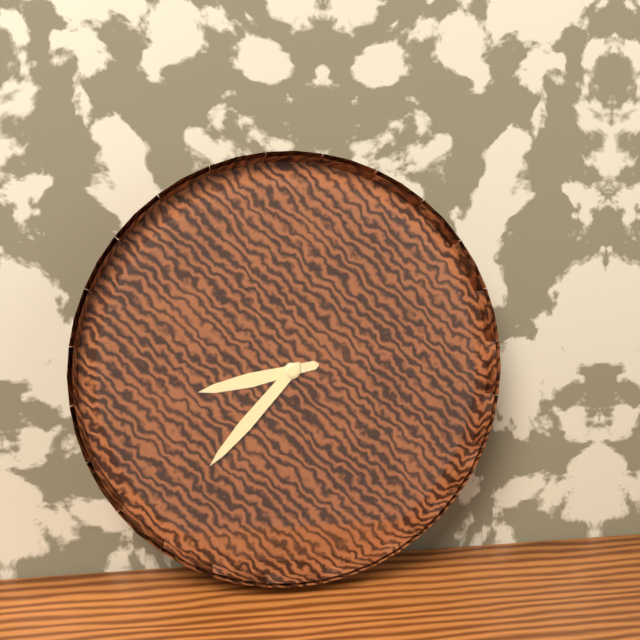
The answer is **8:37**
